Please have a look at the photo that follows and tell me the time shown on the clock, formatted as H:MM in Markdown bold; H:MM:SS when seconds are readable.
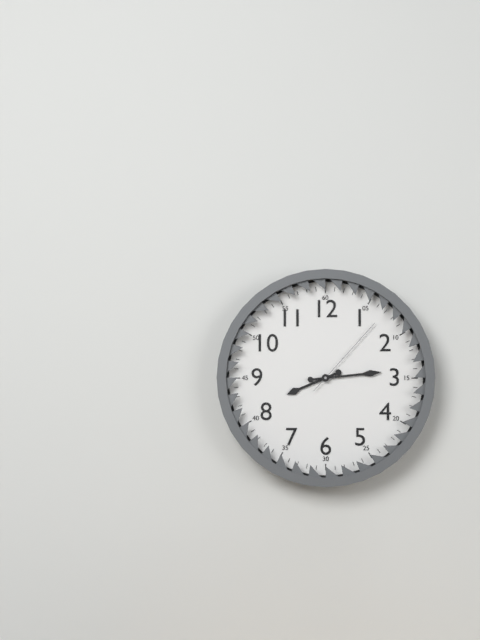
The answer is **8:14:07**
